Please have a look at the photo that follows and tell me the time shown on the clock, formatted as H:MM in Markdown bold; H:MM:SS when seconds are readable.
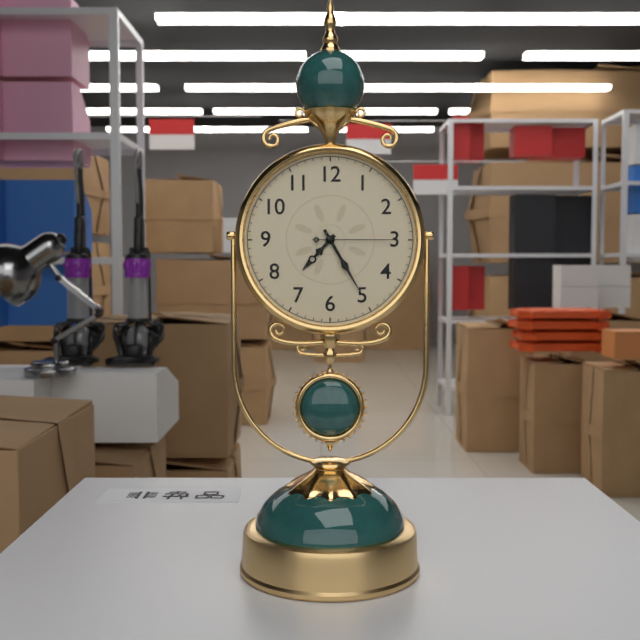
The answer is **7:25:15**
